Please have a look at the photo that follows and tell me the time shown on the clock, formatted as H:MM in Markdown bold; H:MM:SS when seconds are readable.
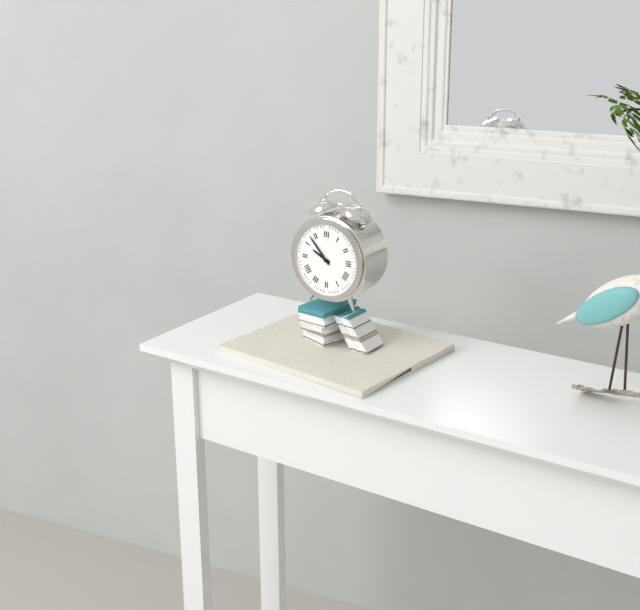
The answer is **9:53**
